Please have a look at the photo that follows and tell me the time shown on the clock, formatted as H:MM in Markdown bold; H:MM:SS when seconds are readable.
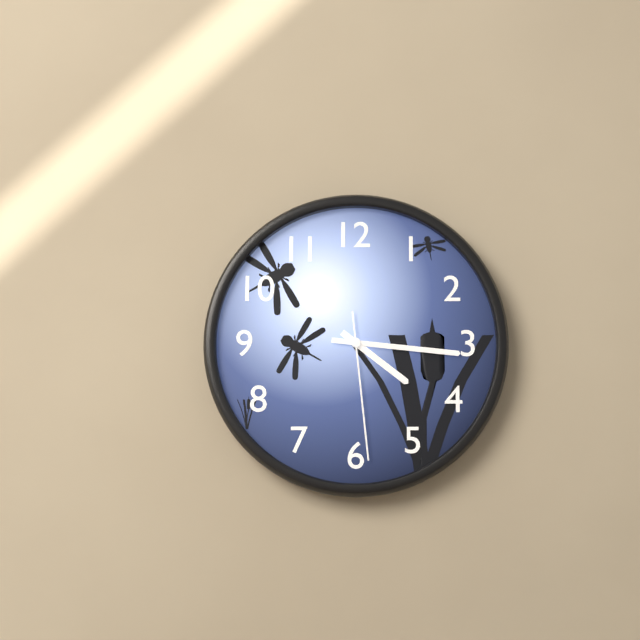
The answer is **4:16:29**
